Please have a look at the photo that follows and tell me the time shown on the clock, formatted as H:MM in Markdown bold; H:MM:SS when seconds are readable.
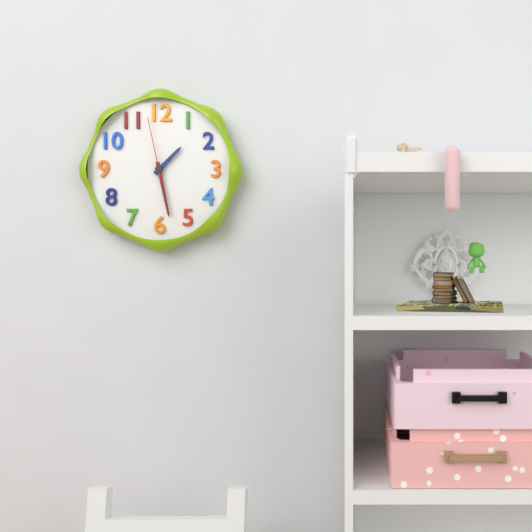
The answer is **1:28:58**
